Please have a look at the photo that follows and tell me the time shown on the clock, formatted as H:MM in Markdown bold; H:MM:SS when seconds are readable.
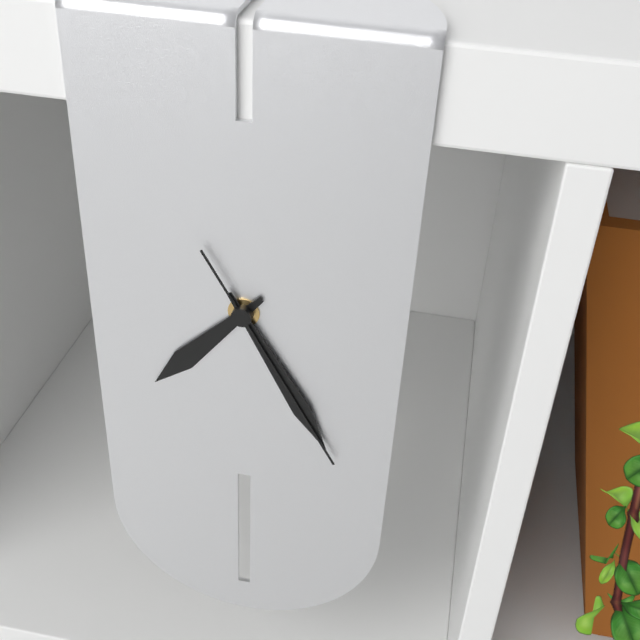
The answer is **7:25:25**
